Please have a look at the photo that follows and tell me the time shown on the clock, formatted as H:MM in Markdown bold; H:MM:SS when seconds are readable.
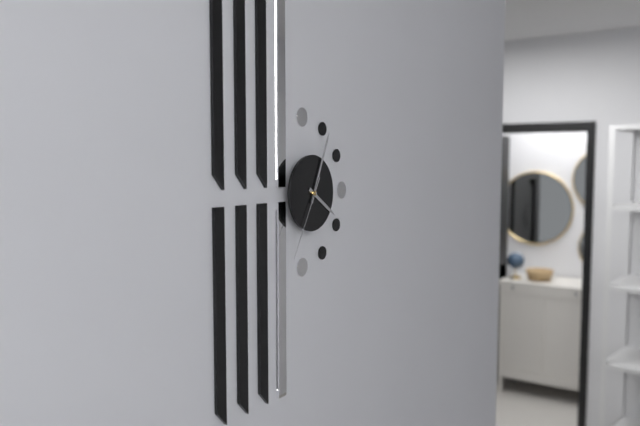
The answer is **4:04:35**
